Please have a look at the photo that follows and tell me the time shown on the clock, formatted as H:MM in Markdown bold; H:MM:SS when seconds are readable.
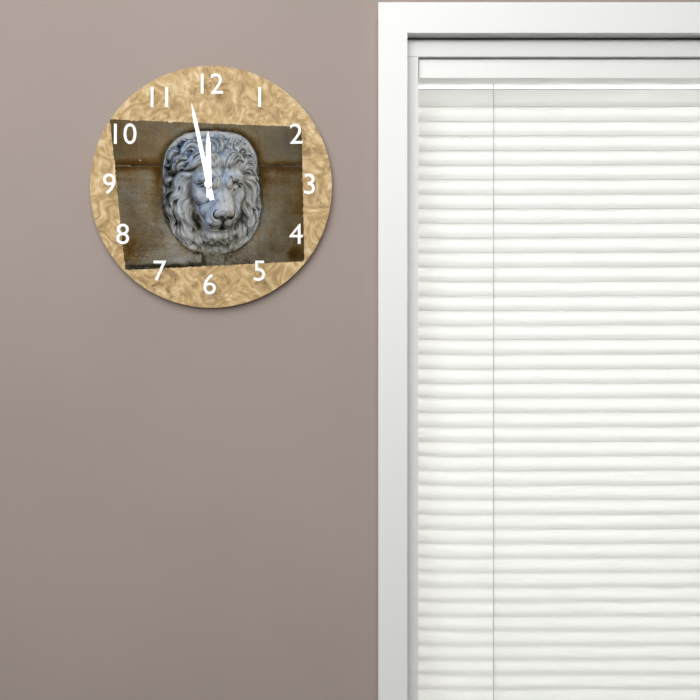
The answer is **11:58**
